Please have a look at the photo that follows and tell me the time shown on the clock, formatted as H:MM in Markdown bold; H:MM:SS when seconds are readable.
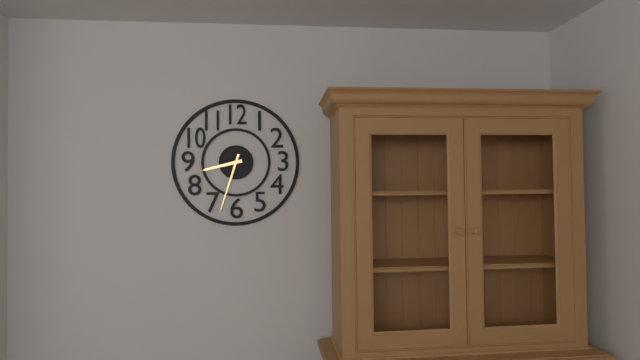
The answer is **8:33**
